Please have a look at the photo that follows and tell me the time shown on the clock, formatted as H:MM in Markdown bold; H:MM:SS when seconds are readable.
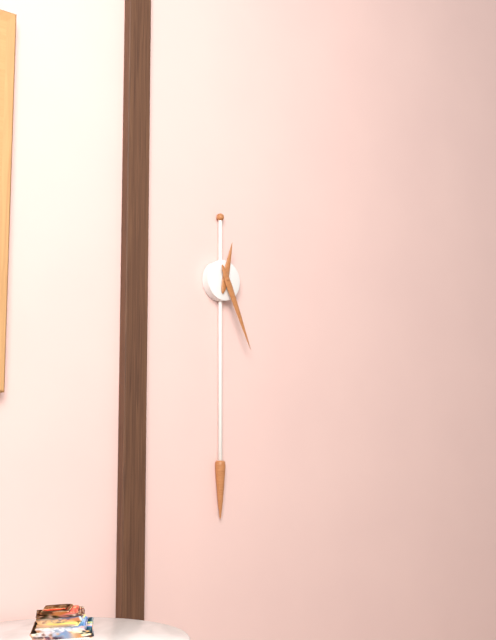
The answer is **12:26**
